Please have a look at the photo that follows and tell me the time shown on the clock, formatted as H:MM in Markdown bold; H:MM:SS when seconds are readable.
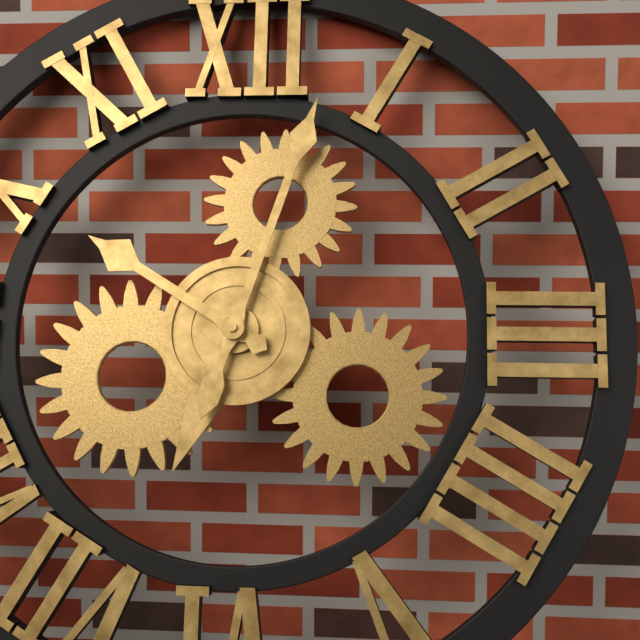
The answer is **10:03**
